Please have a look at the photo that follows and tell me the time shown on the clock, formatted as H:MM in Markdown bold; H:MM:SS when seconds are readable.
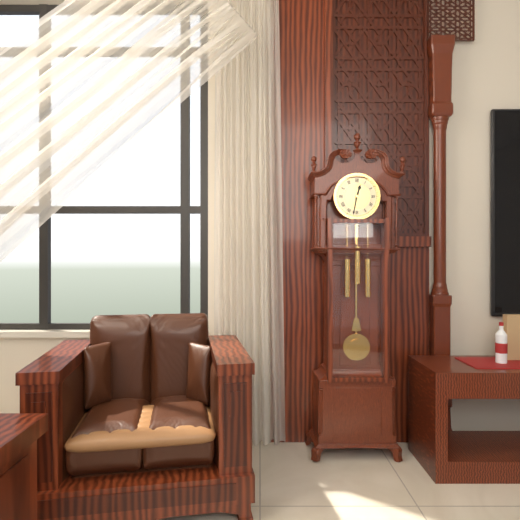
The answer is **12:32**
